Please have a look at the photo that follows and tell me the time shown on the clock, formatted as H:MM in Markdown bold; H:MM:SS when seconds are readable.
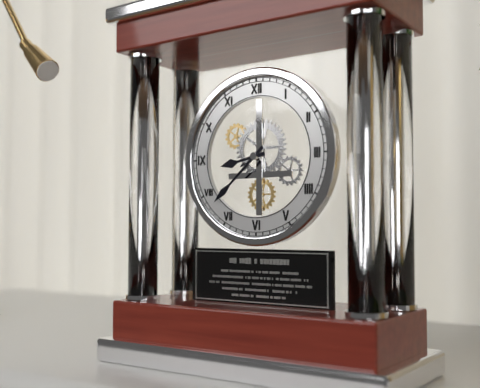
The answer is **8:38**
